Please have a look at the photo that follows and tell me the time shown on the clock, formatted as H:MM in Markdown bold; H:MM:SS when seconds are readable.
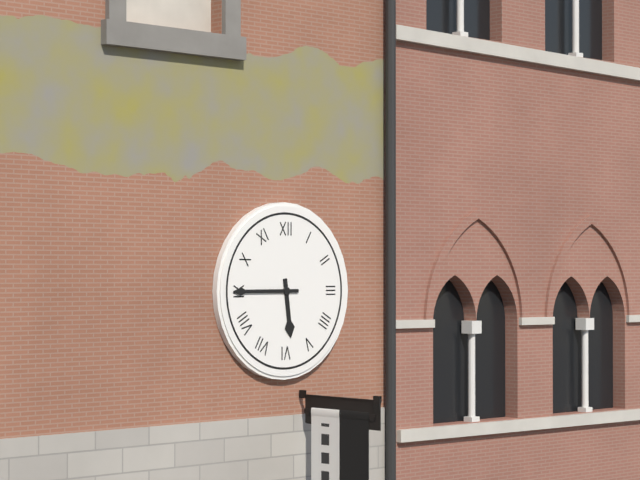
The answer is **5:45**
